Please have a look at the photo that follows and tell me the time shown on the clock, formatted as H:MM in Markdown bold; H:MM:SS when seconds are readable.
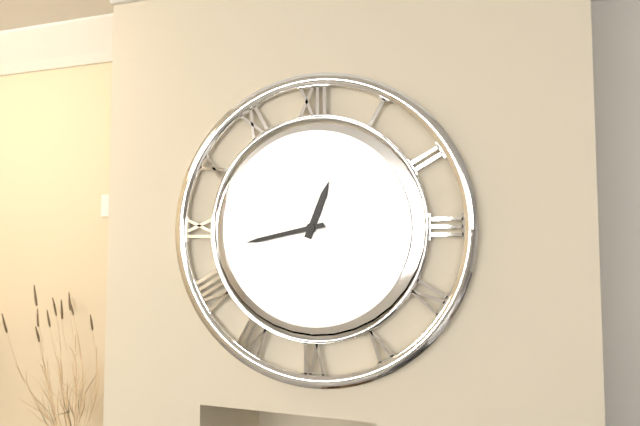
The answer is **12:43**
